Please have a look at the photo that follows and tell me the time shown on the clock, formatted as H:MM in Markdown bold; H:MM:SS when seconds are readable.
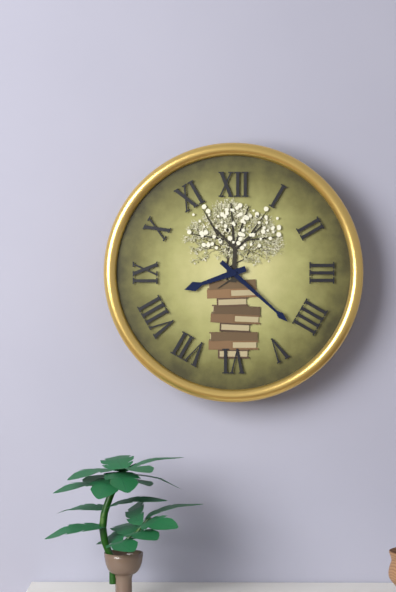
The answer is **8:22**
